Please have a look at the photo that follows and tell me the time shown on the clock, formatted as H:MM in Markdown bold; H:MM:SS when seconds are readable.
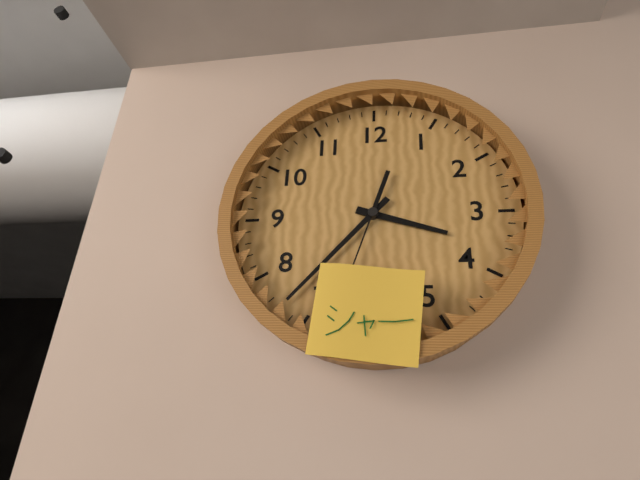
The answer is **3:37**
